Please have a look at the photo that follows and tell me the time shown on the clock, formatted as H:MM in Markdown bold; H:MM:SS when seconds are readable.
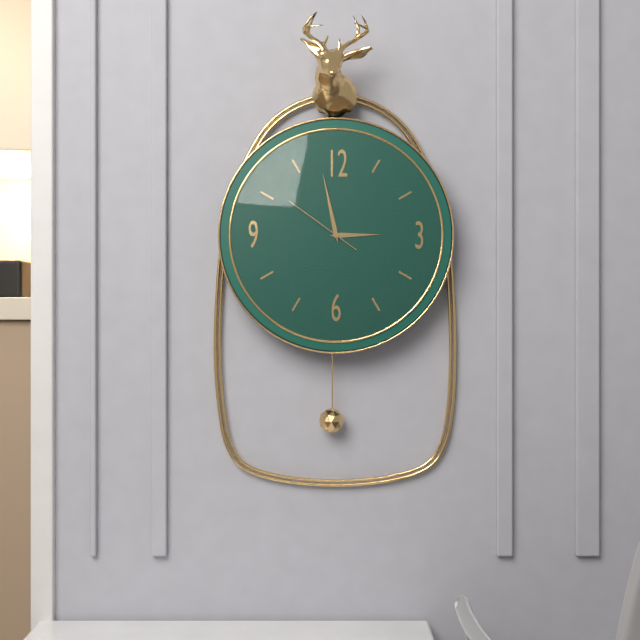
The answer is **2:58:51**
